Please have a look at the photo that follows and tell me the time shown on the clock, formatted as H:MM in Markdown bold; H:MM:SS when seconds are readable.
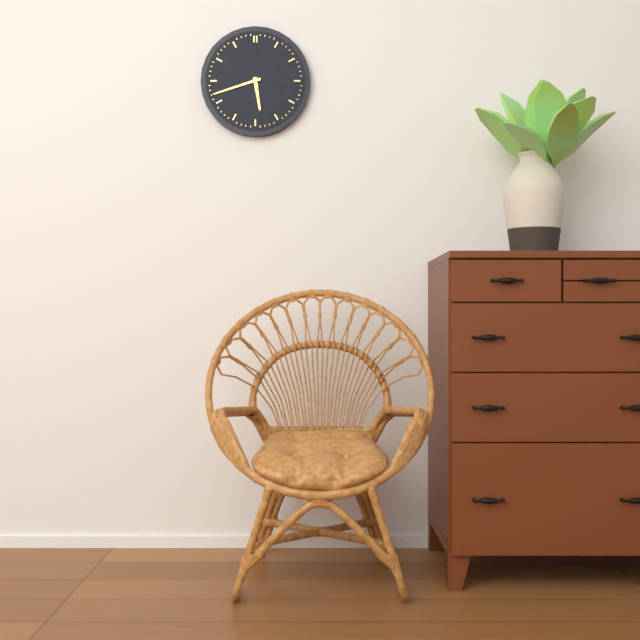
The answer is **5:42**
